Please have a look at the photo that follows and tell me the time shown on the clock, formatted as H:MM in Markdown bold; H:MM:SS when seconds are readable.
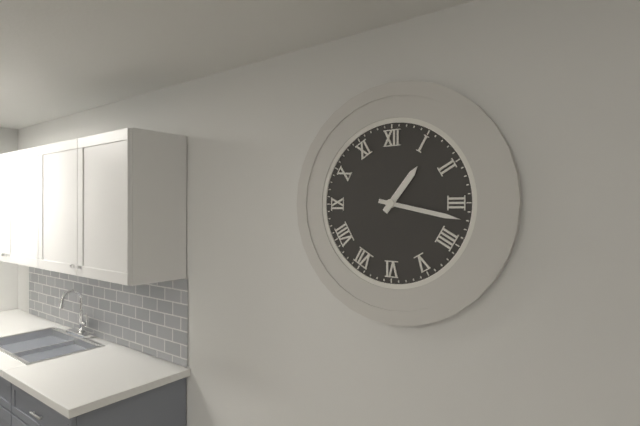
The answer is **1:17**
